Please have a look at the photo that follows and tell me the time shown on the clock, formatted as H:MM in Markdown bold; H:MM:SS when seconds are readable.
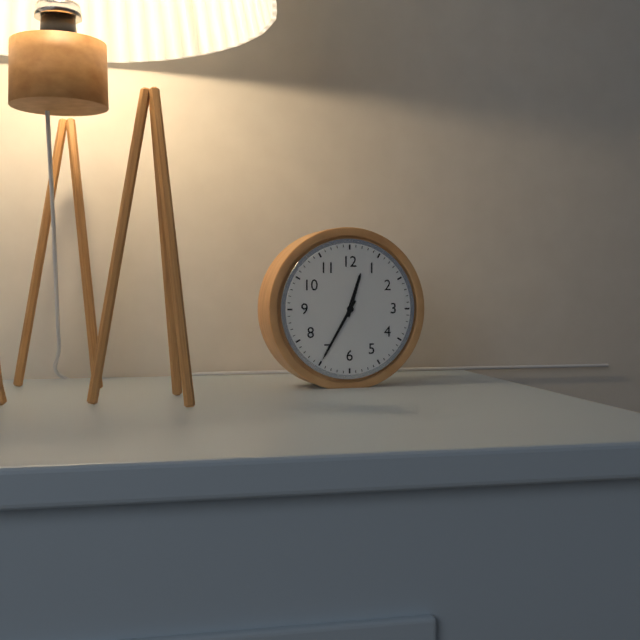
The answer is **12:35**
